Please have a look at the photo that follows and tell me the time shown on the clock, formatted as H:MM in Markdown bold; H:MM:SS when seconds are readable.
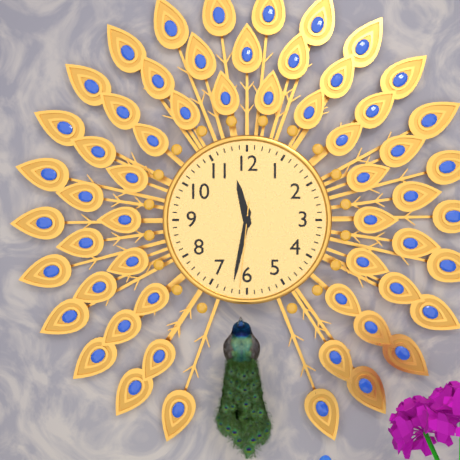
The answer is **11:32:31**
